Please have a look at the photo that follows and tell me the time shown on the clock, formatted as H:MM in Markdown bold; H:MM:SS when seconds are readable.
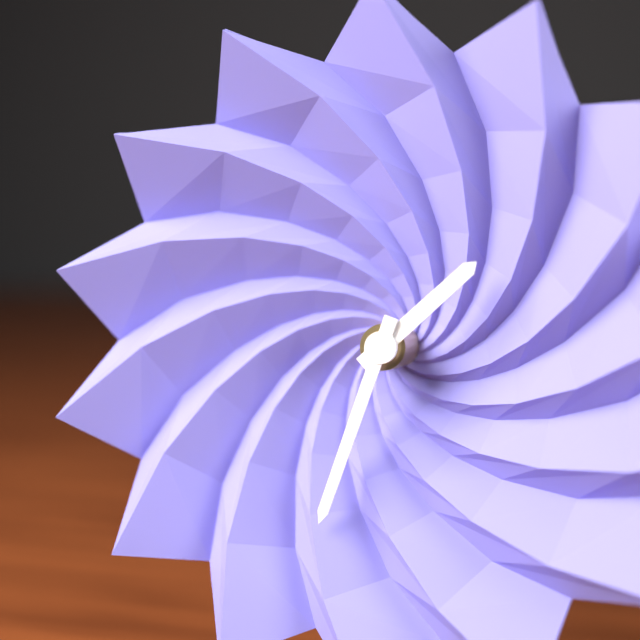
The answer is **1:33**
